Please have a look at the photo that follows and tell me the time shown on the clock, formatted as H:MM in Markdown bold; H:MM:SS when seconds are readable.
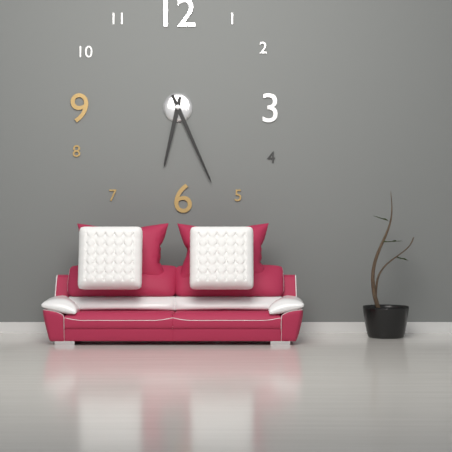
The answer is **6:26**
